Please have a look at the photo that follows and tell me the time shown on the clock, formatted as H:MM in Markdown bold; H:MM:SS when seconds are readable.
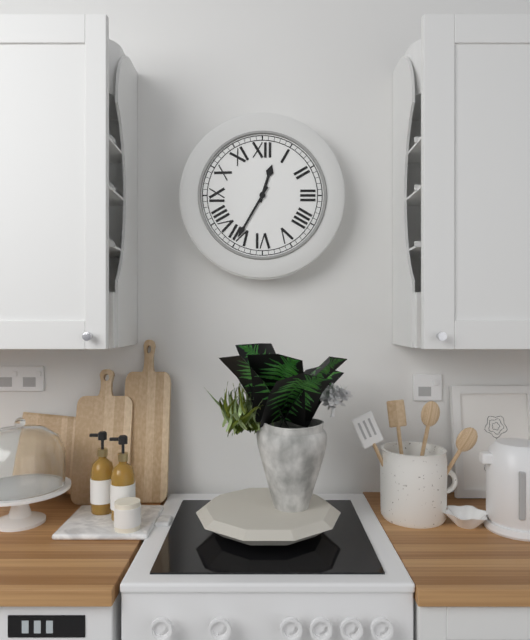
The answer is **12:35**
